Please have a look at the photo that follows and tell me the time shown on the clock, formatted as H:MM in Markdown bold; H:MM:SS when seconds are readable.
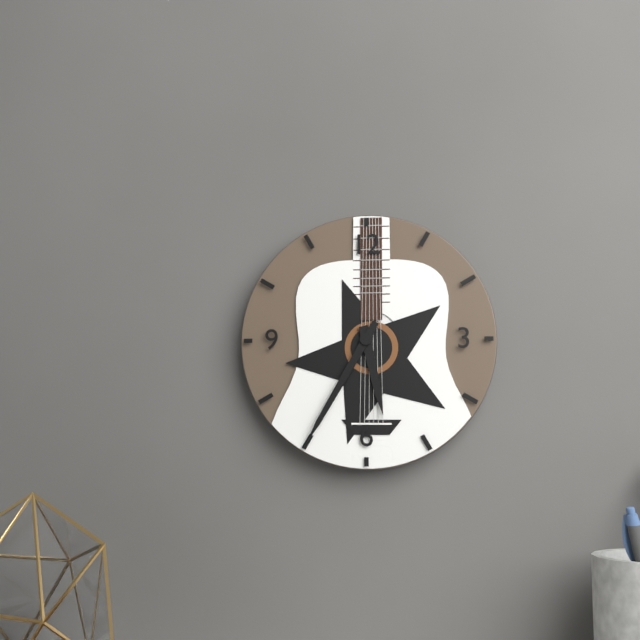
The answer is **5:35**
